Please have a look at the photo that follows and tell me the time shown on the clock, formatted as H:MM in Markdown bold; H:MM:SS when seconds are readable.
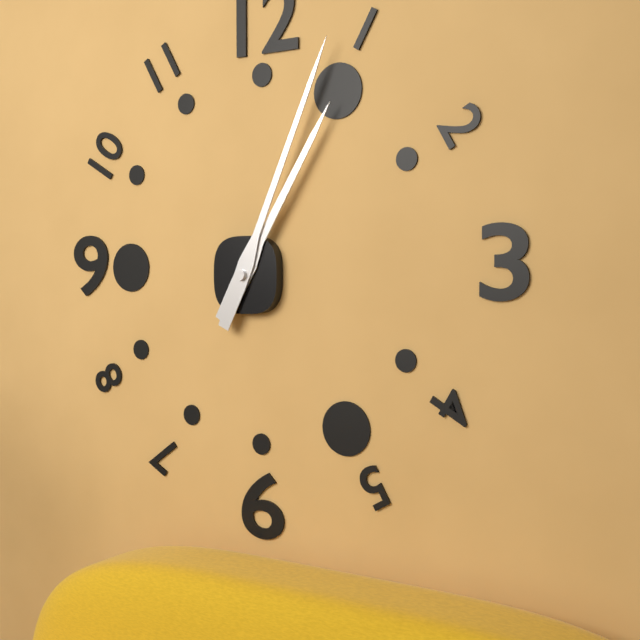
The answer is **1:04**
